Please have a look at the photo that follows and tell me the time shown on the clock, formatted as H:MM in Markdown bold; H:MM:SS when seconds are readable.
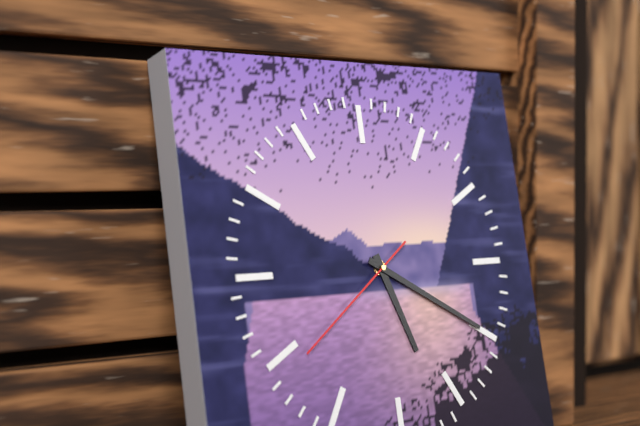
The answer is **5:20:39**
